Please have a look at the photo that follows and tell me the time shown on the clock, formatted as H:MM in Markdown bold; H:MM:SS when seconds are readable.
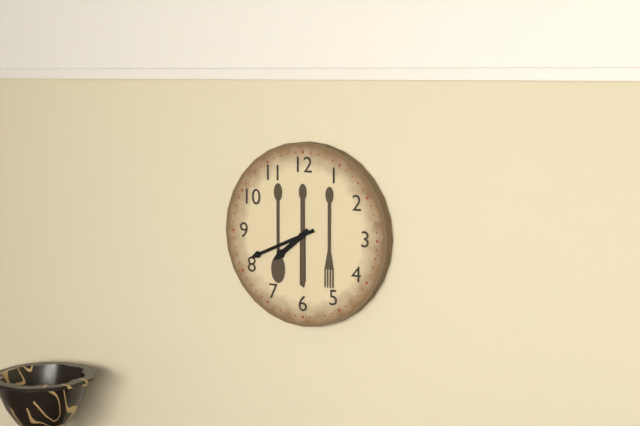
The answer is **7:41**
